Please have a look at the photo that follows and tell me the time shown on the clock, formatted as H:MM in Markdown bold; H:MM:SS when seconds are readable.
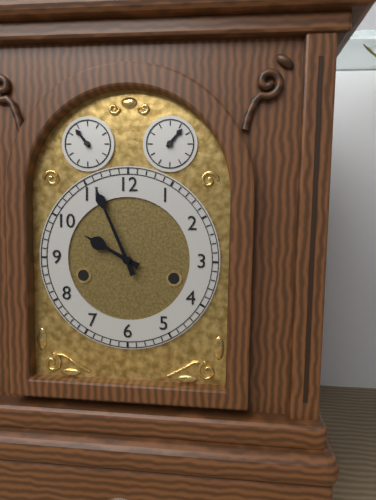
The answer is **9:56**
